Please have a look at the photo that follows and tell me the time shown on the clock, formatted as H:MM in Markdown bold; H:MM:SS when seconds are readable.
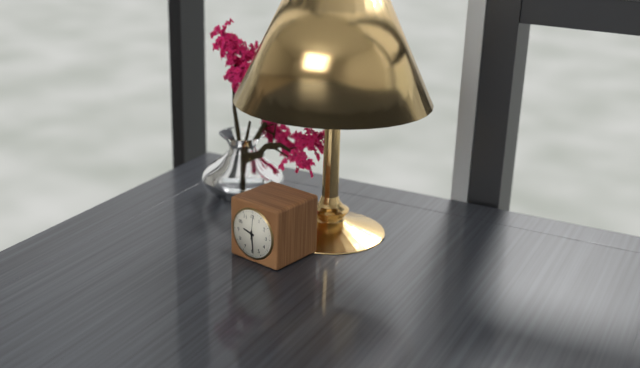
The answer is **9:29**
